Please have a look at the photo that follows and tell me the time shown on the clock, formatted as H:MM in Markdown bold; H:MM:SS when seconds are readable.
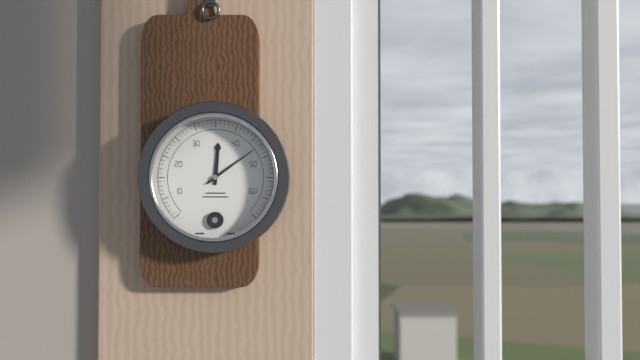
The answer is **12:09**
